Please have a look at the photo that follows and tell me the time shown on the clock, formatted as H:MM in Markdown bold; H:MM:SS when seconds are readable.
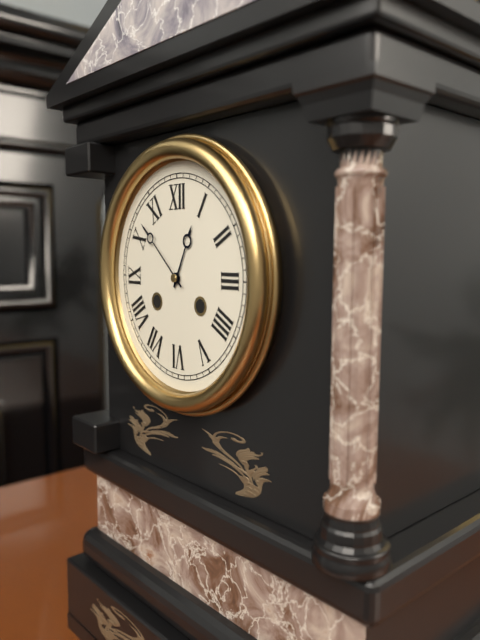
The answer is **12:52**
